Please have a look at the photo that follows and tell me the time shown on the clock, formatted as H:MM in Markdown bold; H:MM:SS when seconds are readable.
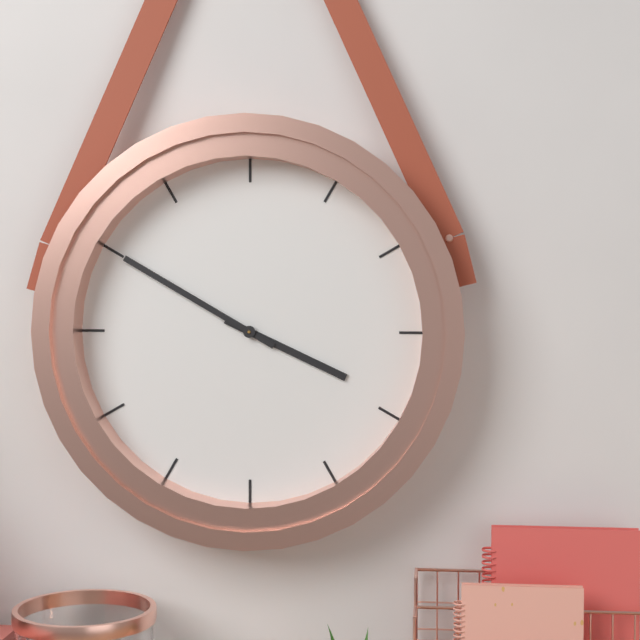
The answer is **3:50**
